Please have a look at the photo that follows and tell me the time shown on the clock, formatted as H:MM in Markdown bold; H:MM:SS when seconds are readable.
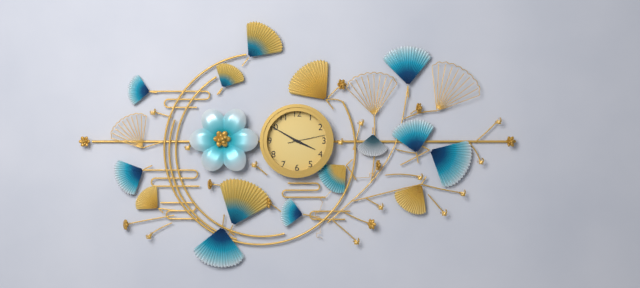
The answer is **3:50**
